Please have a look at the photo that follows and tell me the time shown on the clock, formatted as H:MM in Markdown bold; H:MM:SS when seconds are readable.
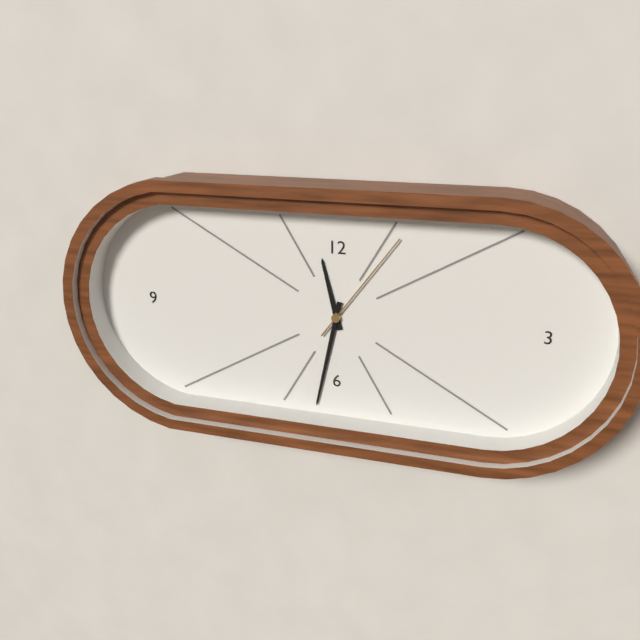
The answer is **11:32:06**
